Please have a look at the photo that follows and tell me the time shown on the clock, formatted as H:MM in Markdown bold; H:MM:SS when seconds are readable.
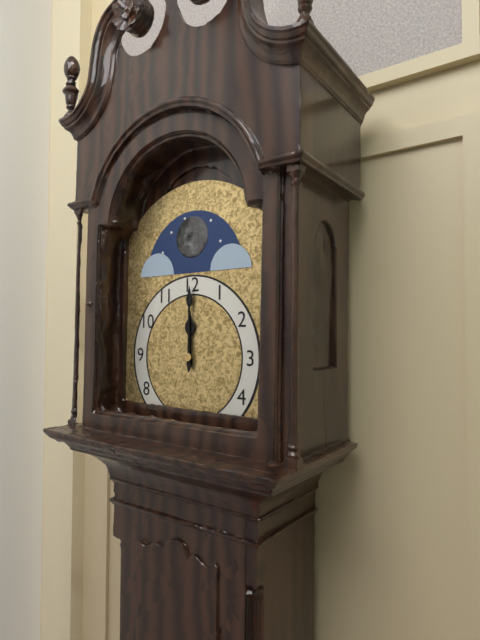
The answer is **12:00**
